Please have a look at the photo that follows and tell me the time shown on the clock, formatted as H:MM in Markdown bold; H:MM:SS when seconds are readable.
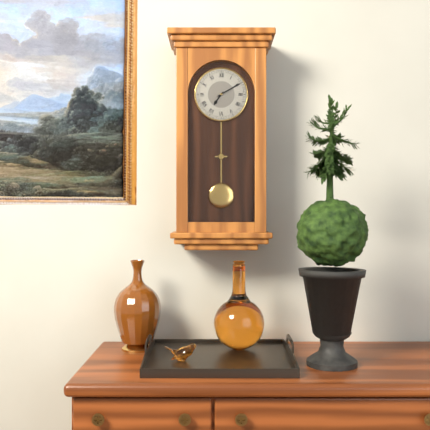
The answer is **7:10**
